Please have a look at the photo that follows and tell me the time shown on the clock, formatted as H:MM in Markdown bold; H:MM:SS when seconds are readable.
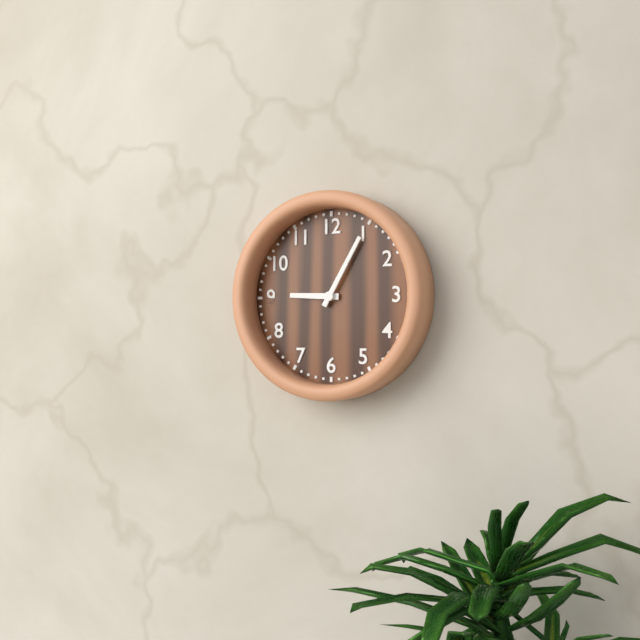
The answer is **9:05**
